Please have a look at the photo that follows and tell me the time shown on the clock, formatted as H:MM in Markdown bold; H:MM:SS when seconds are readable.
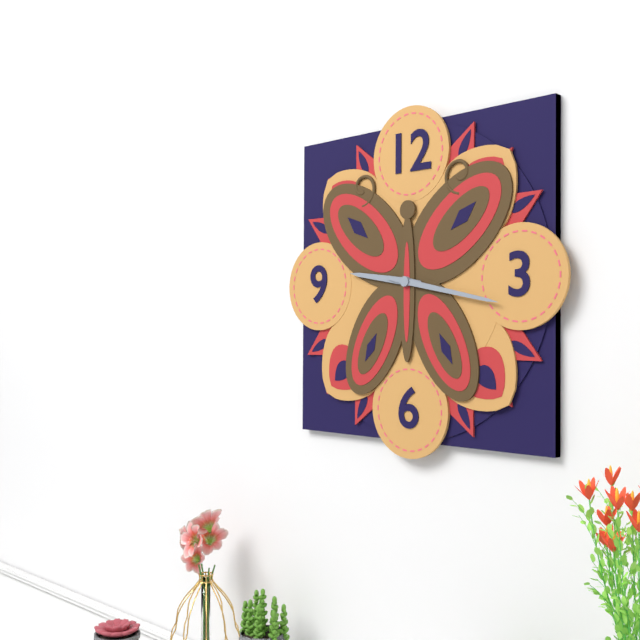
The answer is **9:17**
